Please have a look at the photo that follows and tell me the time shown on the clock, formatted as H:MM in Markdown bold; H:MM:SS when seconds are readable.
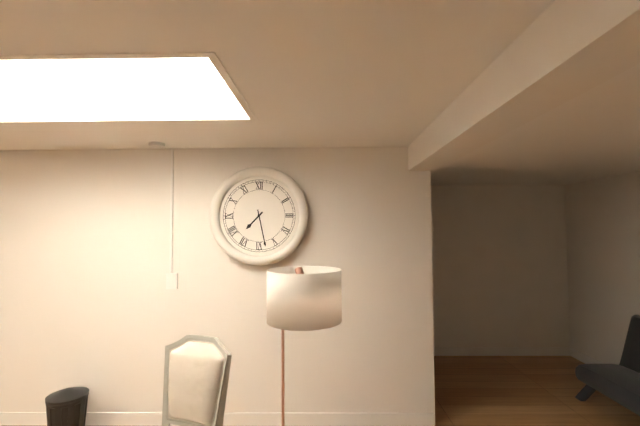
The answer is **7:28**
